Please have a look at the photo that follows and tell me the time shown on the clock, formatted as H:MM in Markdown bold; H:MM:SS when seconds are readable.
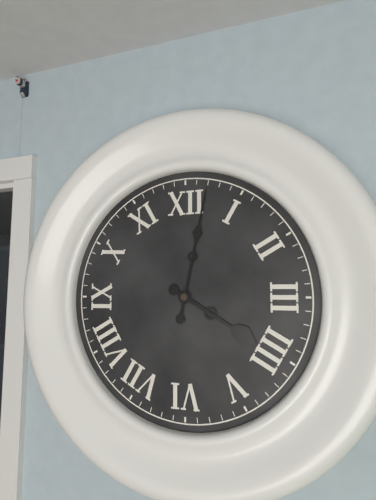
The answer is **4:02**
